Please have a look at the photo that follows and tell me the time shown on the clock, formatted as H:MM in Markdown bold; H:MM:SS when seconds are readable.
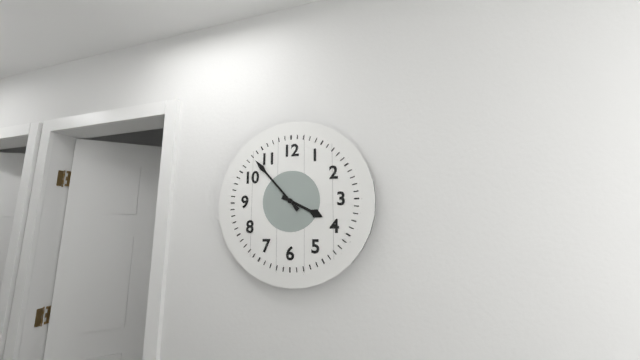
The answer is **3:53**
